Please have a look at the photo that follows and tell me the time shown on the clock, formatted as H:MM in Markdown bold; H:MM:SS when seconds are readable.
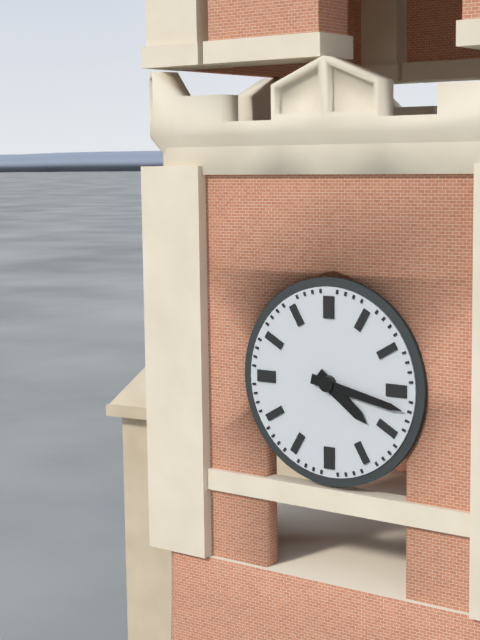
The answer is **4:17**
